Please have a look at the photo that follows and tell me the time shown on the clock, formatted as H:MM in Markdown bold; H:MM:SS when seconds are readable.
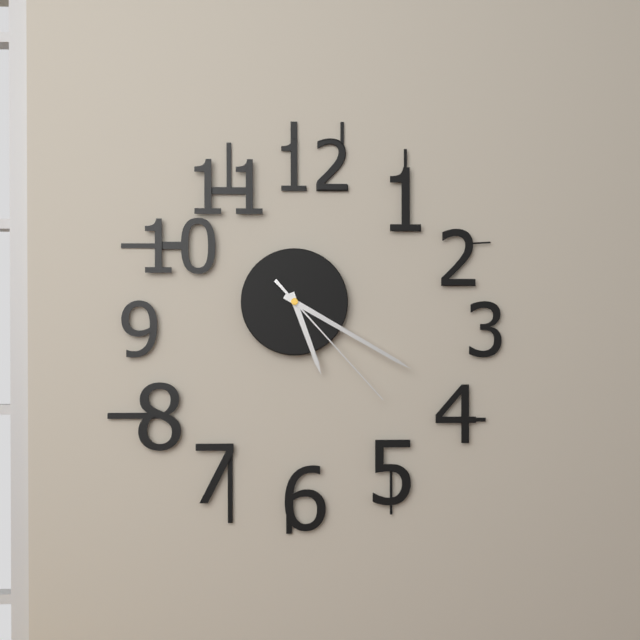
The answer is **5:20:23**
